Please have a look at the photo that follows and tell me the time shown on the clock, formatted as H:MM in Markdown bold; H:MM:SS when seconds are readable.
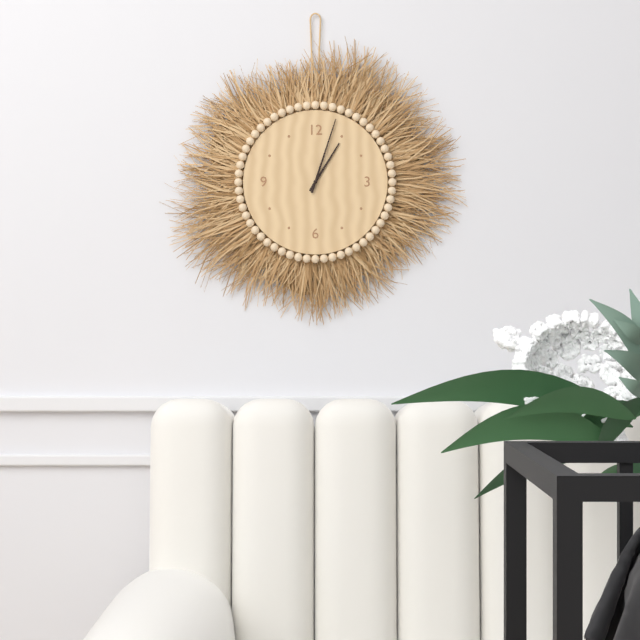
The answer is **1:03**
